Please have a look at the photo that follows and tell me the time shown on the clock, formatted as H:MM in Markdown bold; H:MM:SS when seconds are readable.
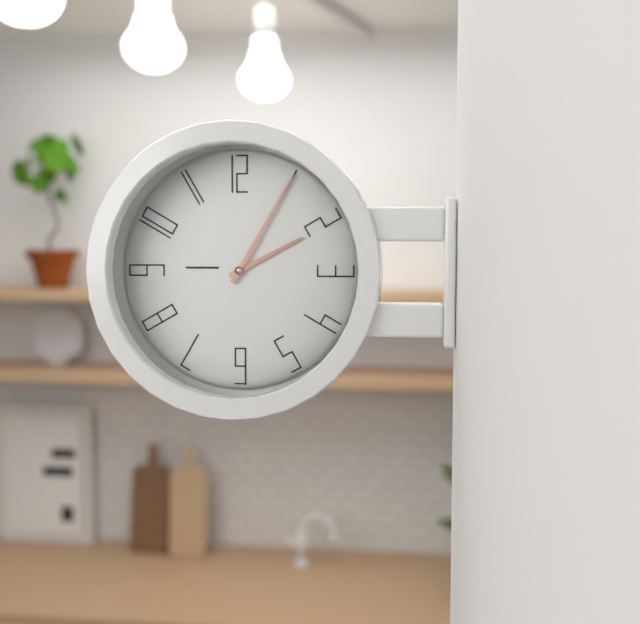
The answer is **2:05**
